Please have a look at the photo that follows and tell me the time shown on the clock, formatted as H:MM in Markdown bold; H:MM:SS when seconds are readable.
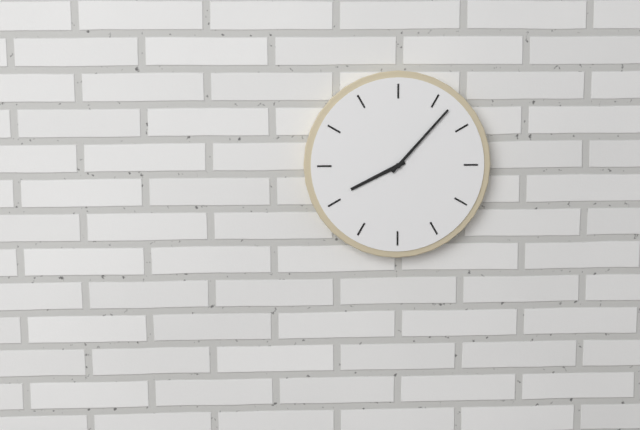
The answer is **8:07**
